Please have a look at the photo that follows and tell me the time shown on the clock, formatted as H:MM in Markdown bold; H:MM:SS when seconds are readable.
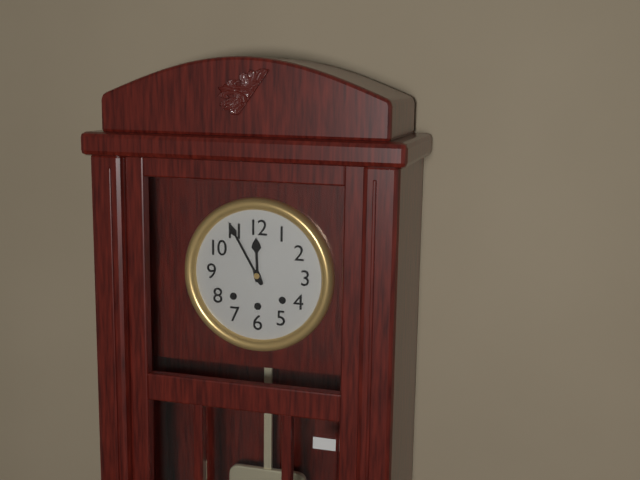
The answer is **11:55**
